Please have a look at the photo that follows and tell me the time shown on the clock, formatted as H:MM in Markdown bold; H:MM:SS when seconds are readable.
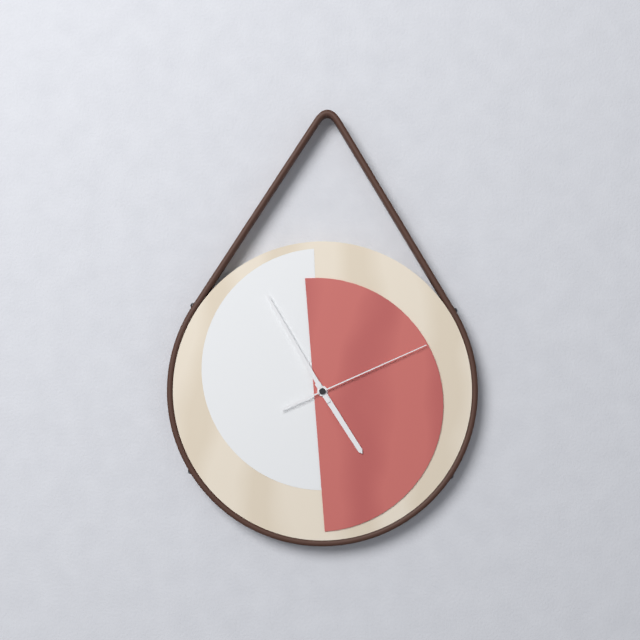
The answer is **4:55:11**
